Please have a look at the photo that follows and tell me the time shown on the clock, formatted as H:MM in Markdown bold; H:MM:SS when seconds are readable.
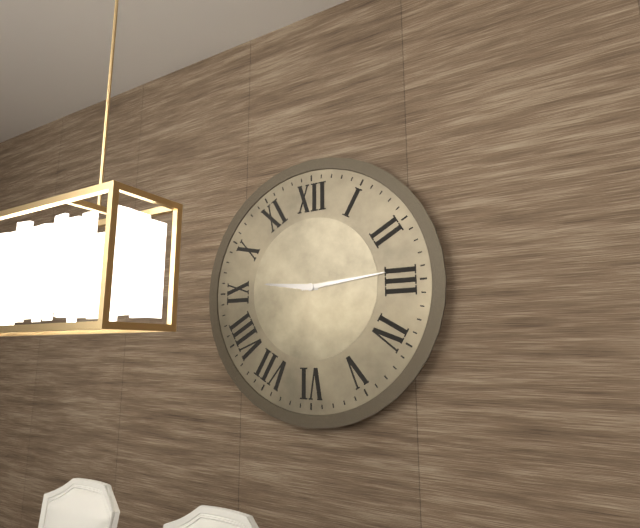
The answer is **9:14**
